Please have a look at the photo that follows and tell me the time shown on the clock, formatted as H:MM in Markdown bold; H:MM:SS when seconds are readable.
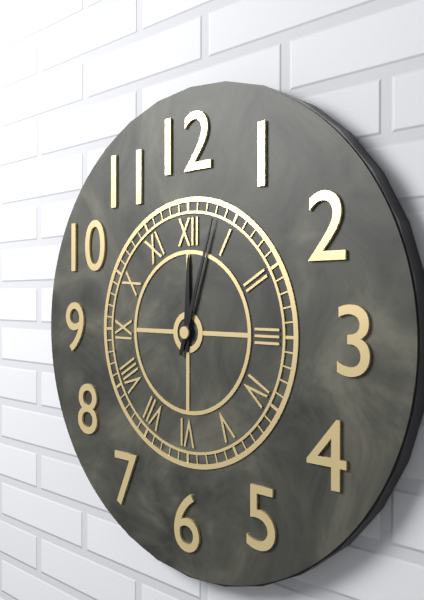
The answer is **12:03**
